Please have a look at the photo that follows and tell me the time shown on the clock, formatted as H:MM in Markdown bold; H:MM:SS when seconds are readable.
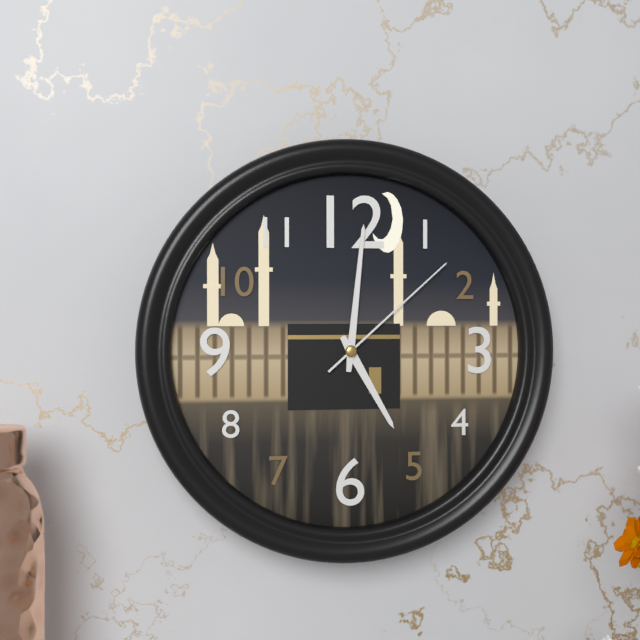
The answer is **5:01:08**
